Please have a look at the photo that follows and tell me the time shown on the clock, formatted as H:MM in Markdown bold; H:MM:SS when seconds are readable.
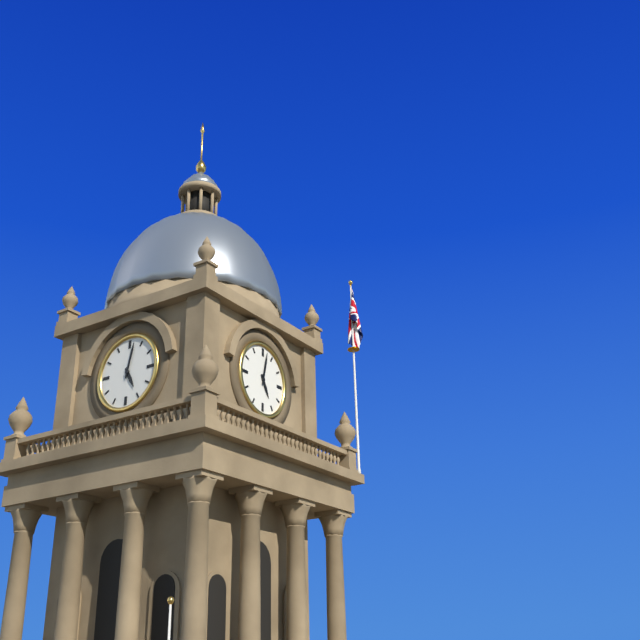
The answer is **5:02**
